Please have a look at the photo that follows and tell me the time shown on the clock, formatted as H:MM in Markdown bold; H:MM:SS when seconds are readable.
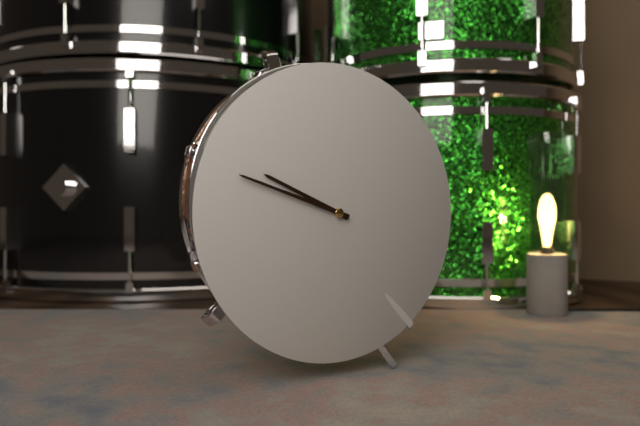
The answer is **9:48**
